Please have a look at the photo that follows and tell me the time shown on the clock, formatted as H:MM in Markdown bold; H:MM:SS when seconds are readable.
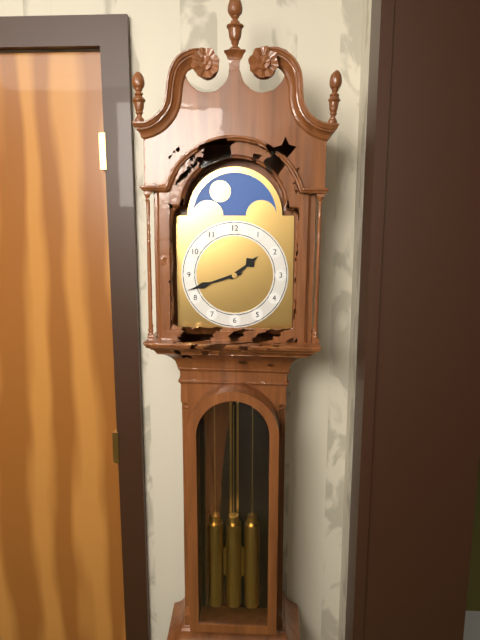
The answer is **1:42**
